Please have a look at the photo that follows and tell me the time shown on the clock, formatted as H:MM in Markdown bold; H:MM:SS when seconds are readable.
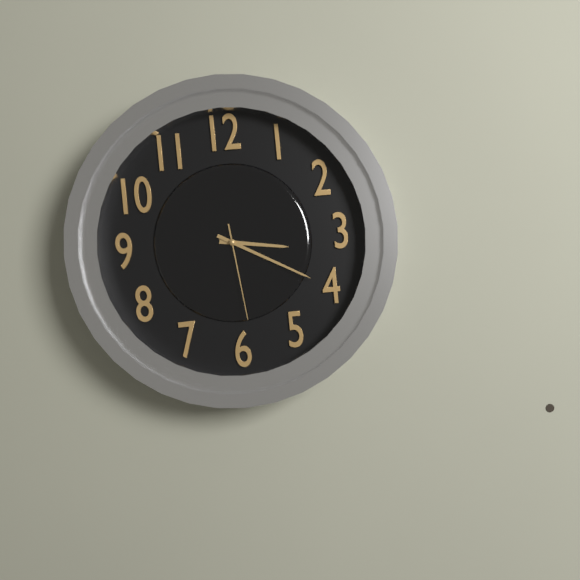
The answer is **3:20:29**
